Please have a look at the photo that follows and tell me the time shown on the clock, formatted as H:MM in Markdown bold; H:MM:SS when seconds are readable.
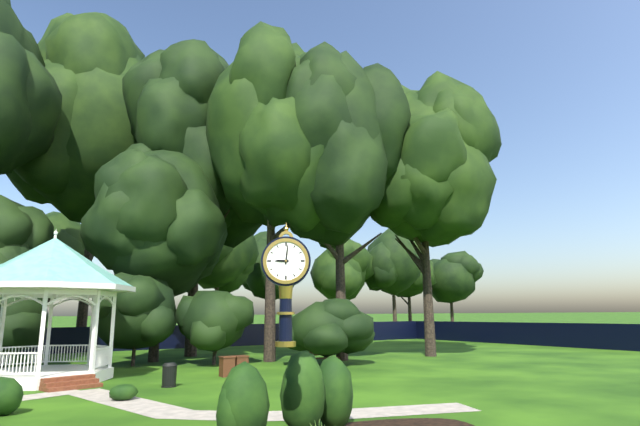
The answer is **9:01**
